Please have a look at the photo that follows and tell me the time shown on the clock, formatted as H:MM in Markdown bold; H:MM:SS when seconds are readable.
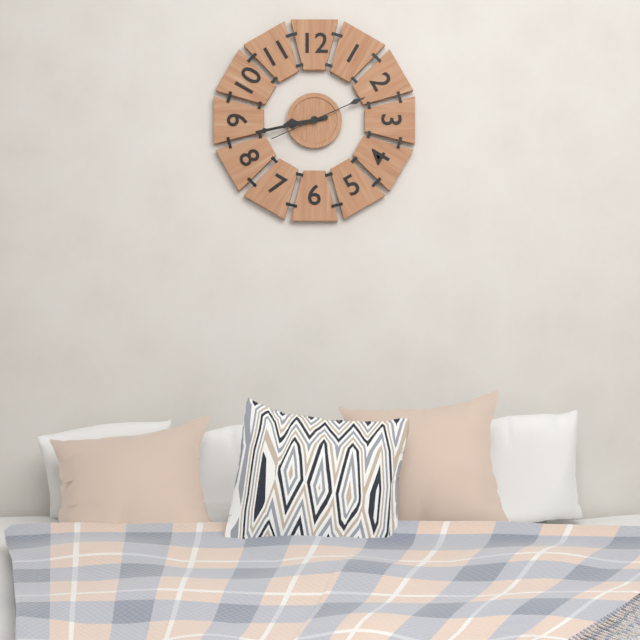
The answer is **8:43:11**
